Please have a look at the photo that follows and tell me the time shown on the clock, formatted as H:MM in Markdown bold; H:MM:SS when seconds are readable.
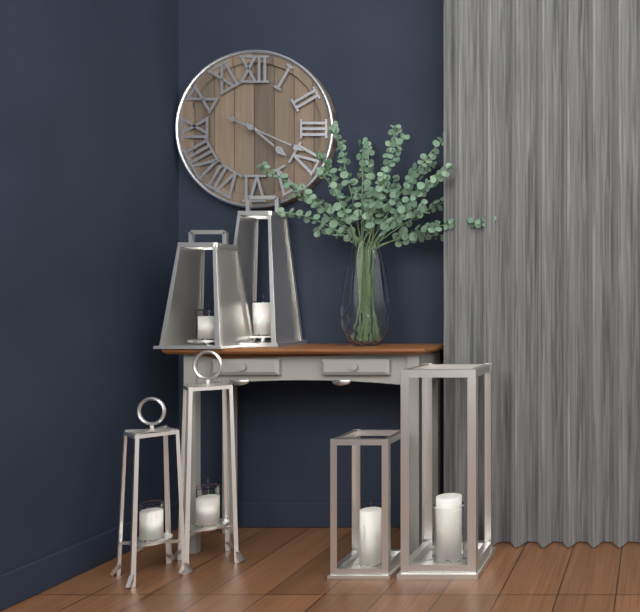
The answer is **4:19**
